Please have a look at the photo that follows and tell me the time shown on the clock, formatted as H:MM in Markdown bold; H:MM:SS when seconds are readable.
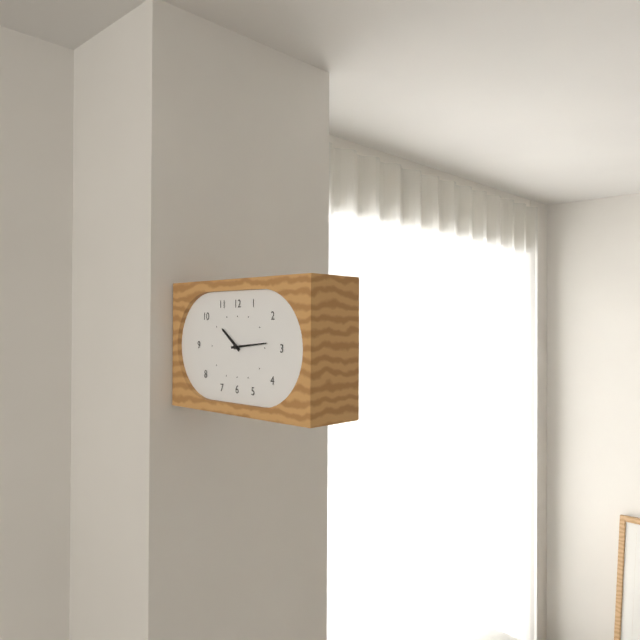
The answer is **10:14**
